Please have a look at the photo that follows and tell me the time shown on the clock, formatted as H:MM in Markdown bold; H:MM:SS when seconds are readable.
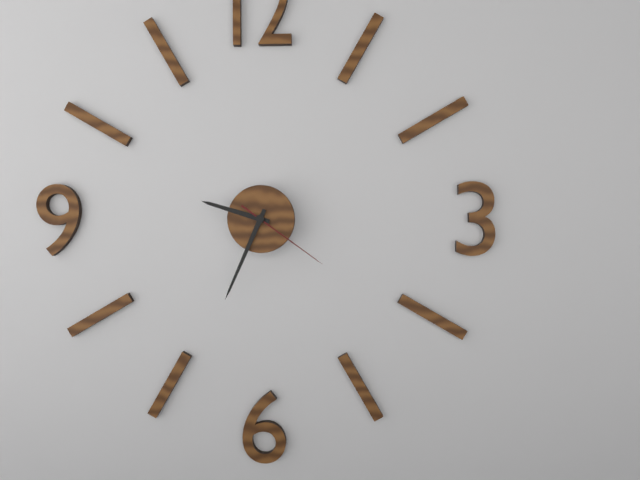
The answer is **9:34:21**
